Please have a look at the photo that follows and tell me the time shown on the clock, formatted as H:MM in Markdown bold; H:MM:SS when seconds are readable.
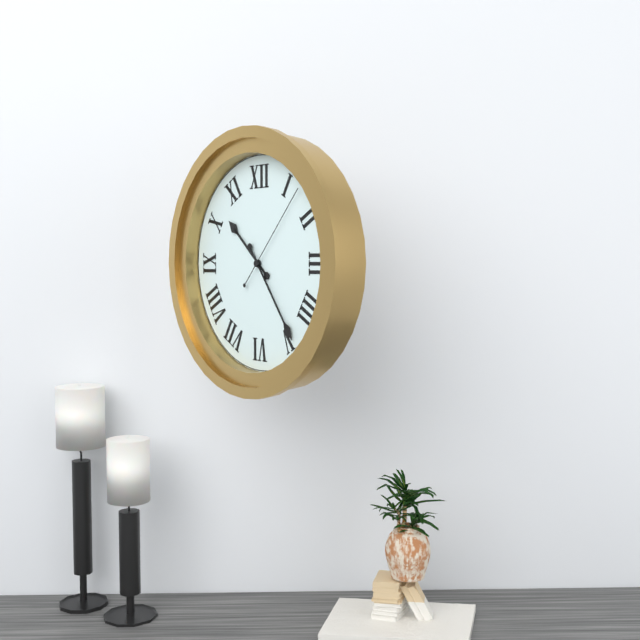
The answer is **10:24:07**
